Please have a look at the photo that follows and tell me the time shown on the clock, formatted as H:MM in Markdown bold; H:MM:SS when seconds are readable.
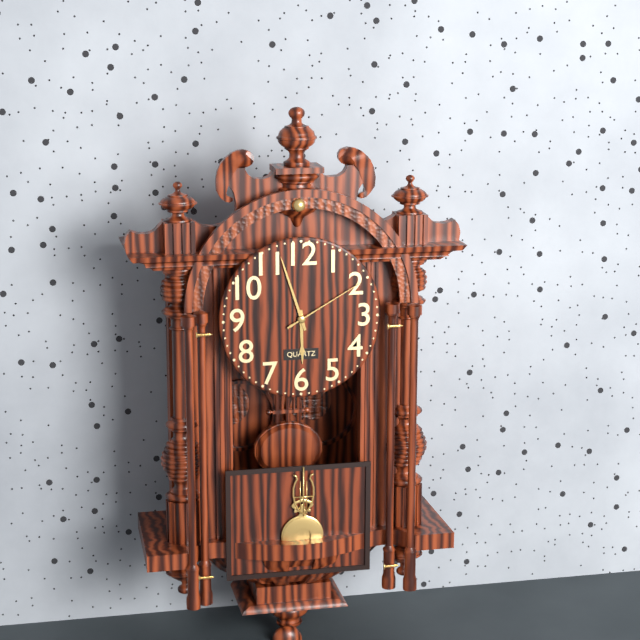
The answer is **5:57:10**
